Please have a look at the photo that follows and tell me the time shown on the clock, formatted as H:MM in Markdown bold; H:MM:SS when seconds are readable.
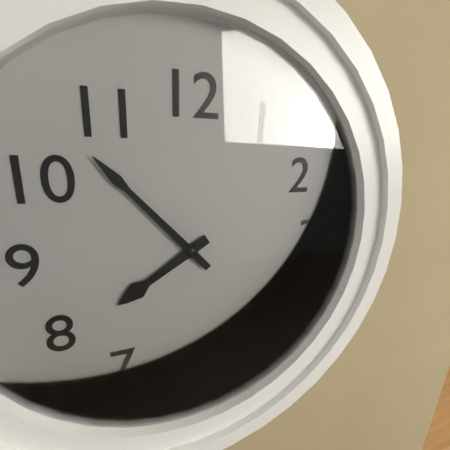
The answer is **7:53**
